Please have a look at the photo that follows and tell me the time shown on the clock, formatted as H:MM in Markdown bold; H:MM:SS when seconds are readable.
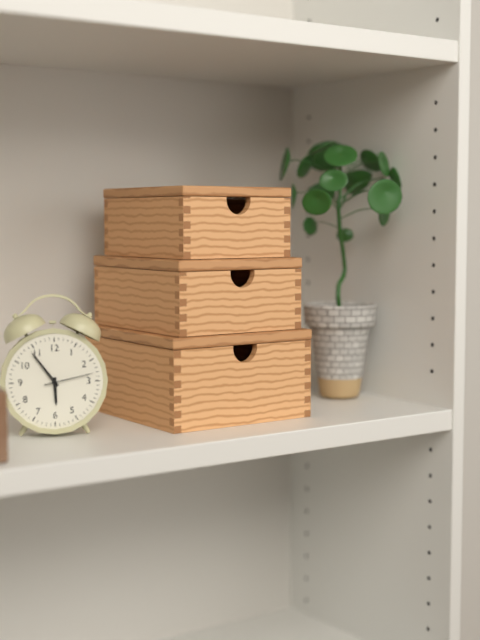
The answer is **5:54:13**
